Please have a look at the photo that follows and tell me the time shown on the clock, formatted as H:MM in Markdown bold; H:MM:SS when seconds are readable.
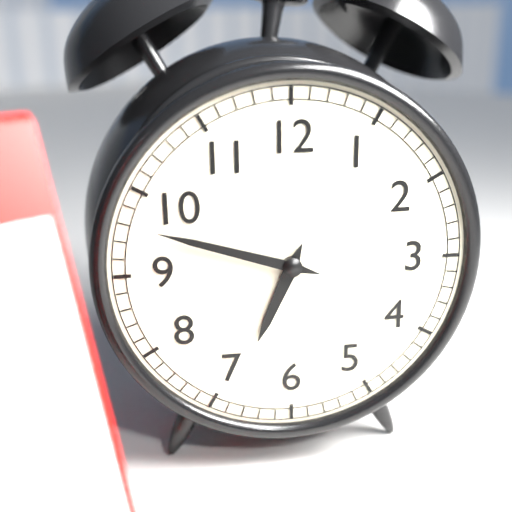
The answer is **6:48**
